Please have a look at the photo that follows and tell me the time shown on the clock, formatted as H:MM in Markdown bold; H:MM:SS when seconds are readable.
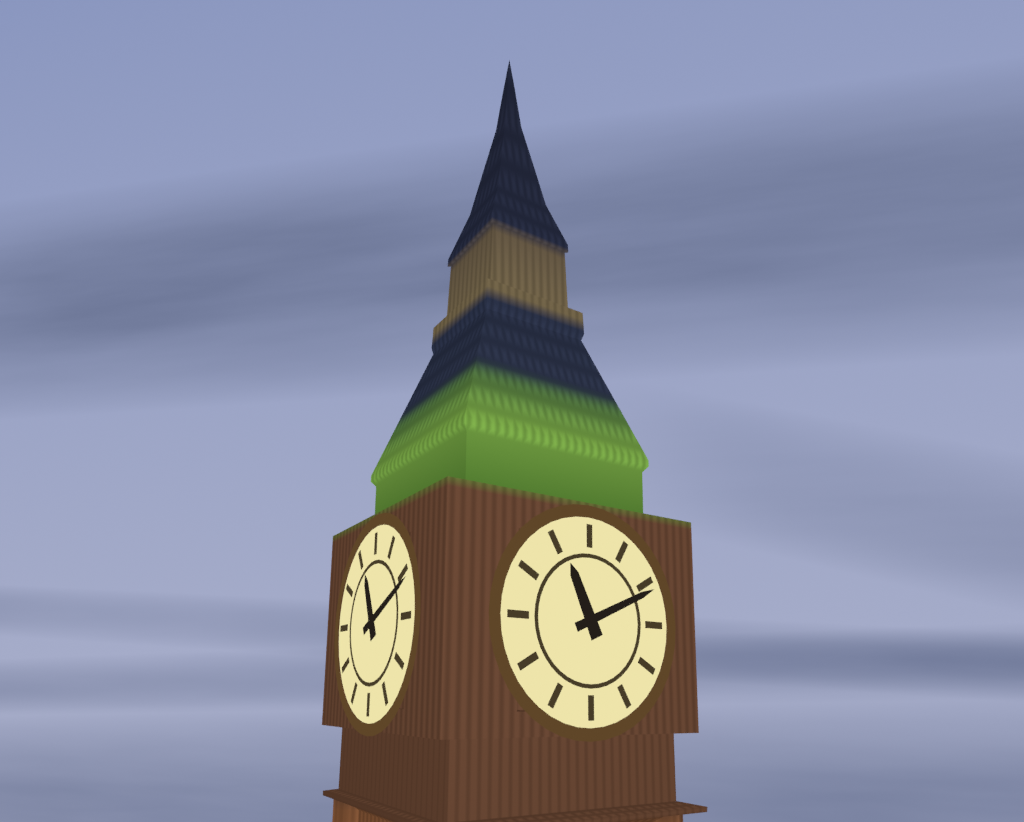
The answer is **11:11**
